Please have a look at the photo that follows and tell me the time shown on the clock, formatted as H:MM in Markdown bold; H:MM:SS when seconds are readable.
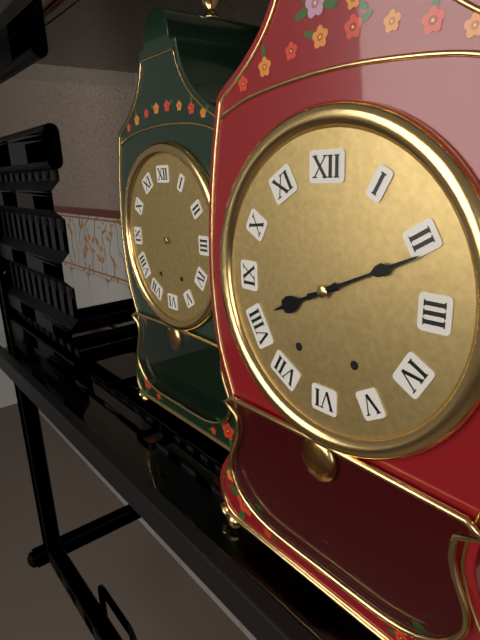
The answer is **8:11**
